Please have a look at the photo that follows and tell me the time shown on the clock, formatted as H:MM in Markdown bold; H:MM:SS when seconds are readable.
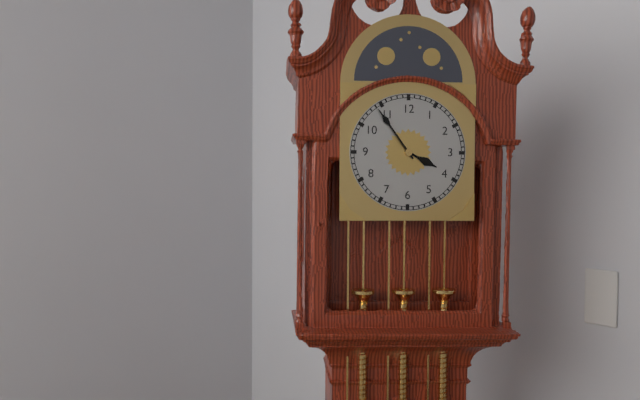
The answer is **3:54**
